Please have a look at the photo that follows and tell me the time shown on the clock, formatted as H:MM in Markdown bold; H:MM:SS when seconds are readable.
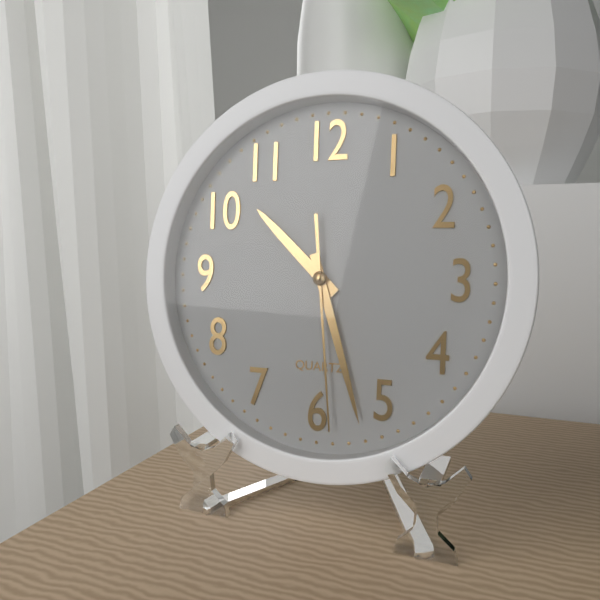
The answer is **10:27:29**
